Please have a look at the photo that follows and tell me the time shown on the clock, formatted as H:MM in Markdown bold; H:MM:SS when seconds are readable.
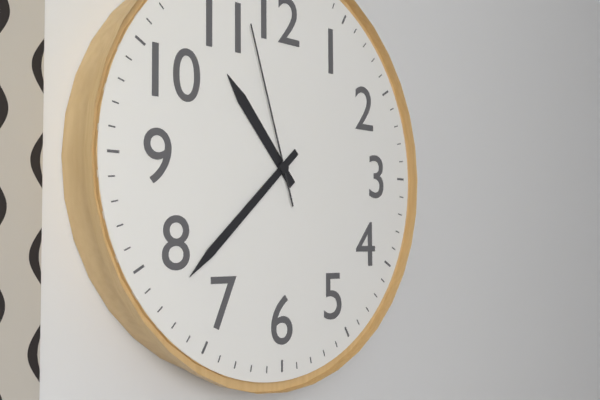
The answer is **10:38:57**
